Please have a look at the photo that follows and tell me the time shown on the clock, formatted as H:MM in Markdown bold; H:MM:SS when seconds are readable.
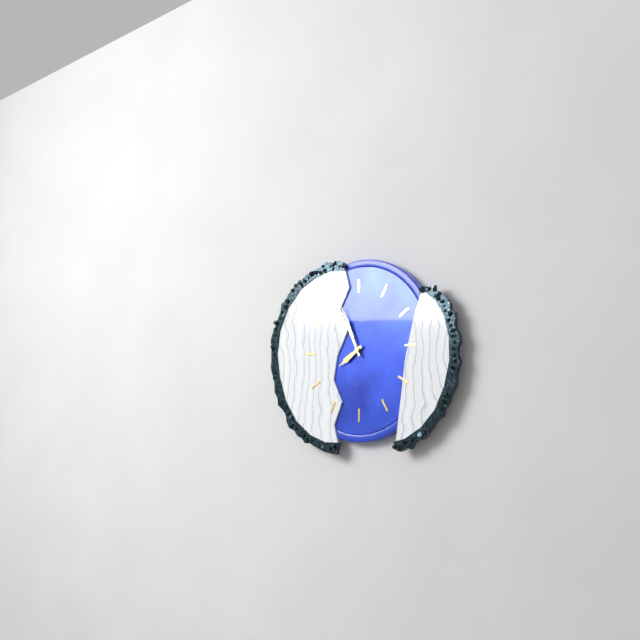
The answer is **7:56**
